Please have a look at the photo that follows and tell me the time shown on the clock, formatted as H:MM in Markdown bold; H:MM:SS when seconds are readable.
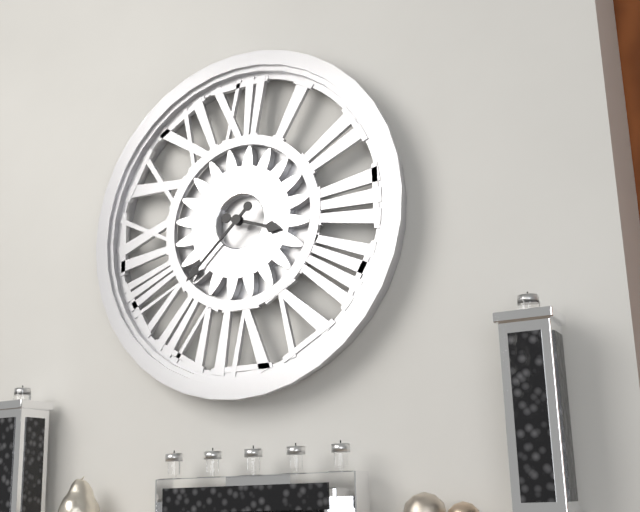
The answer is **3:38**
